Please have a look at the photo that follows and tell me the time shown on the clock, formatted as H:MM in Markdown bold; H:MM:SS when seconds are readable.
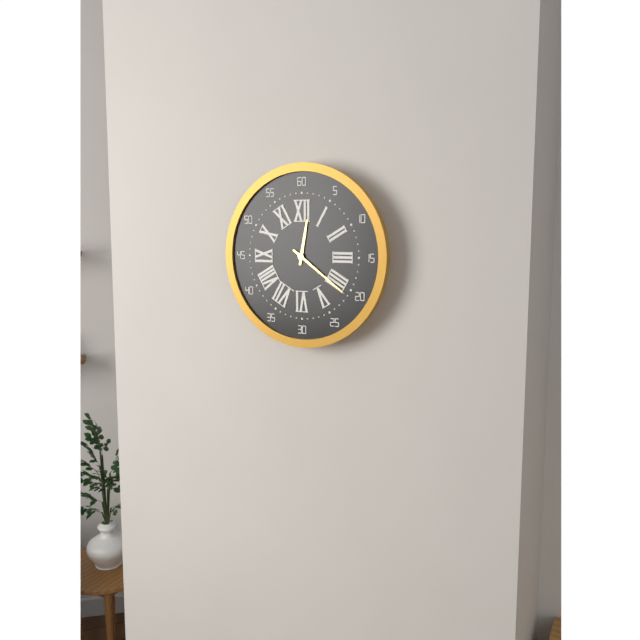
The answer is **12:21**
